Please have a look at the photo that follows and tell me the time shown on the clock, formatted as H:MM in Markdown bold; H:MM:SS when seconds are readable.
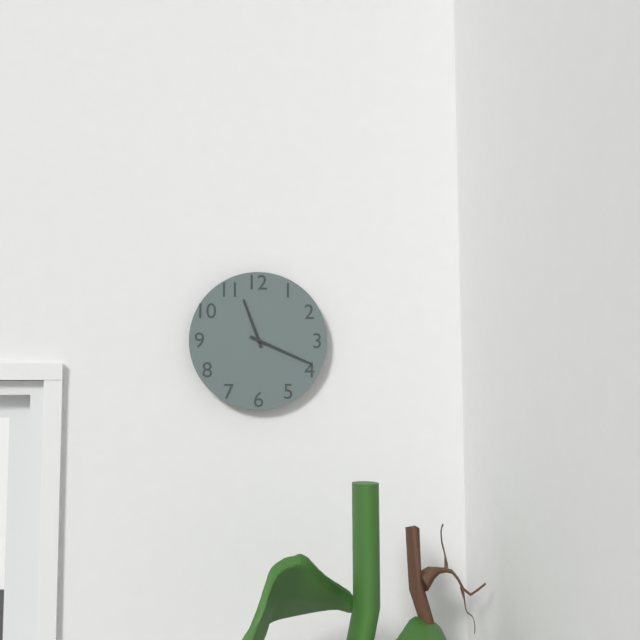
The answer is **11:19**
